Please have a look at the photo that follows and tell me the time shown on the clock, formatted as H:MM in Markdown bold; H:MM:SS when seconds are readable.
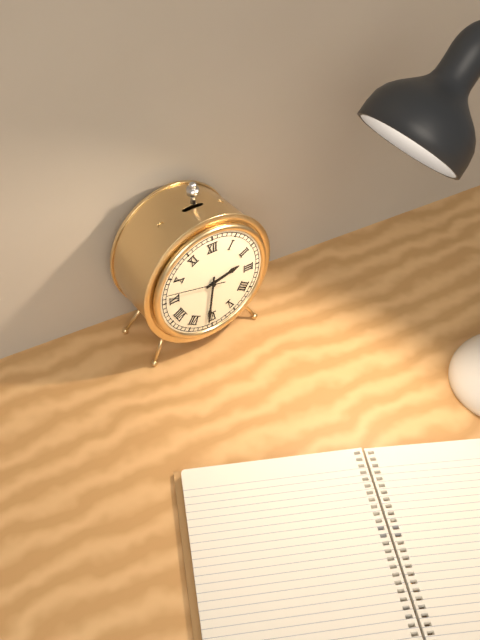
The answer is **2:31:47**
